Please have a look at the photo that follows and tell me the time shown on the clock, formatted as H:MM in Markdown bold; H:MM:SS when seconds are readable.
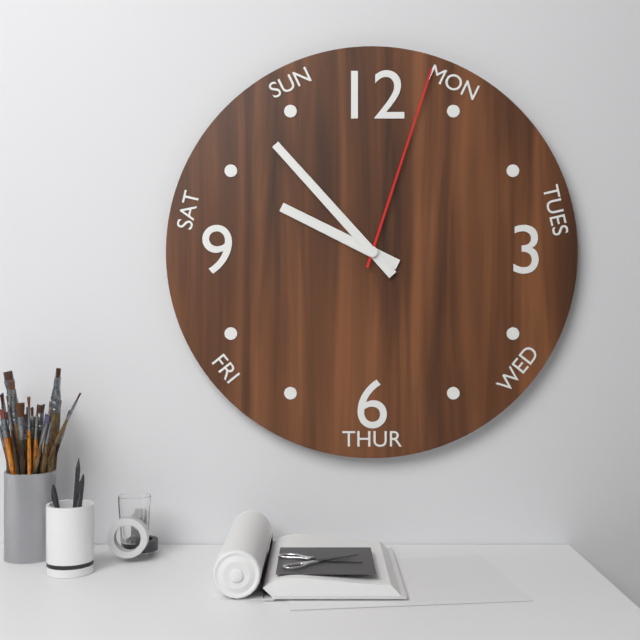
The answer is **9:53:03**
